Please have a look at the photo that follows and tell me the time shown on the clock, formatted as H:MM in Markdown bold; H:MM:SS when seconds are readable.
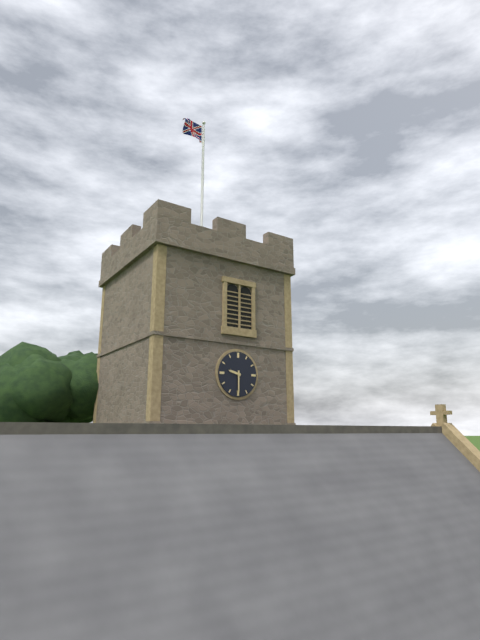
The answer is **9:30**
